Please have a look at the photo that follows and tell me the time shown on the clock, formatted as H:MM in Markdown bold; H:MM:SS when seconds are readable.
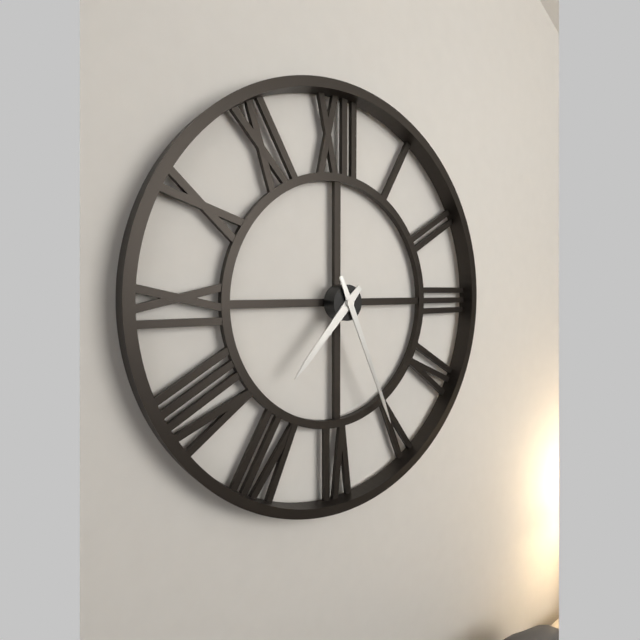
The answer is **7:26**
